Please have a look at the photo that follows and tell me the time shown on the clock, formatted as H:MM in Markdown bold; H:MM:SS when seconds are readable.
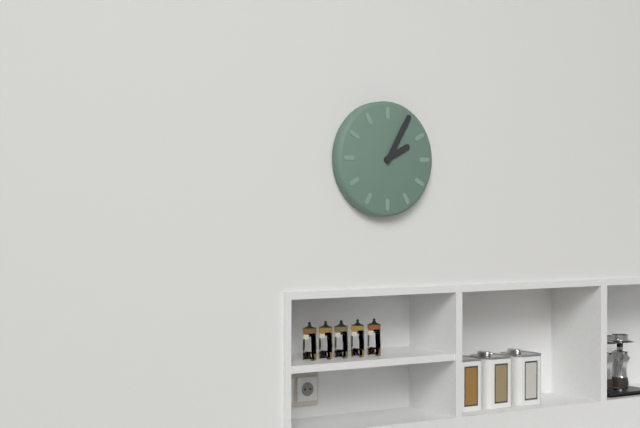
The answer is **2:05**
